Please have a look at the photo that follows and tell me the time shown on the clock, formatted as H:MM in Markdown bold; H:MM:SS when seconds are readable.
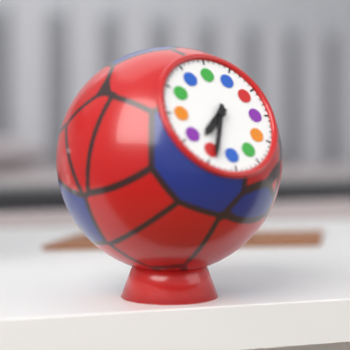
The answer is **7:34**
